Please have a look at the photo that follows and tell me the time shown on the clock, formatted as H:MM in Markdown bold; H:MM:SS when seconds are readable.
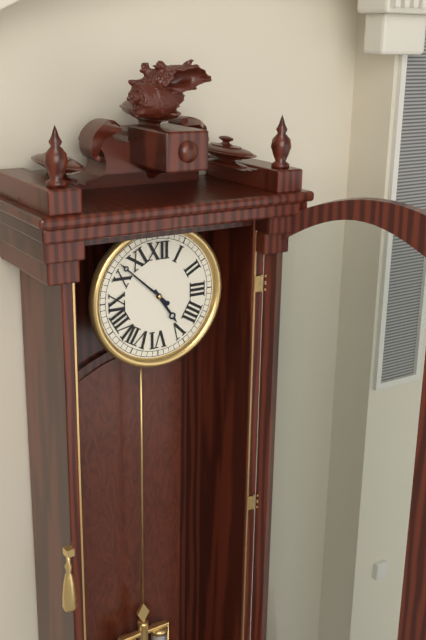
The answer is **4:52**
